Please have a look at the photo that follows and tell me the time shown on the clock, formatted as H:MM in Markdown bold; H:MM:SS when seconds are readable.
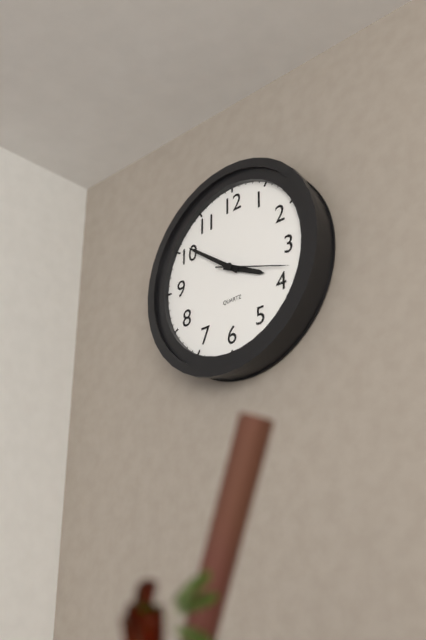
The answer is **3:51:18**
